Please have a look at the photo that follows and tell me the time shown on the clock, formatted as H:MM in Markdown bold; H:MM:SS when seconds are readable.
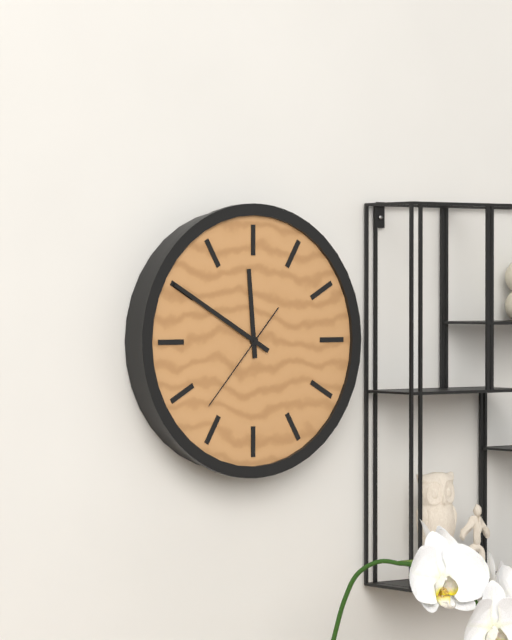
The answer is **11:50:37**
